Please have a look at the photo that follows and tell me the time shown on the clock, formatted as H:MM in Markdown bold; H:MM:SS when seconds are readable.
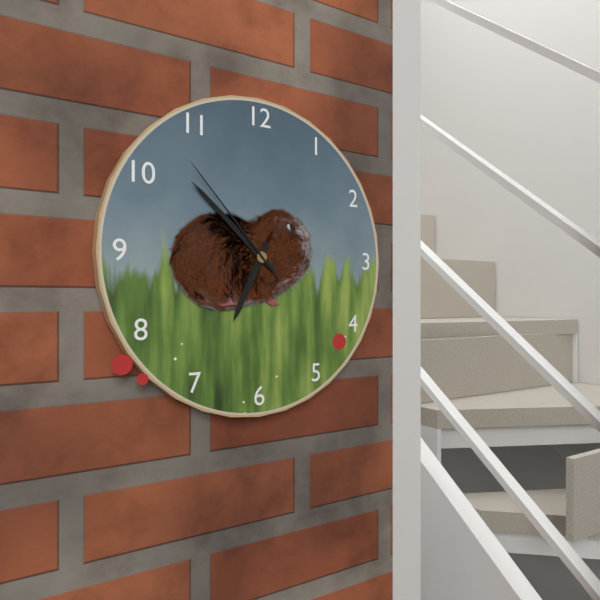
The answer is **6:52:53**
